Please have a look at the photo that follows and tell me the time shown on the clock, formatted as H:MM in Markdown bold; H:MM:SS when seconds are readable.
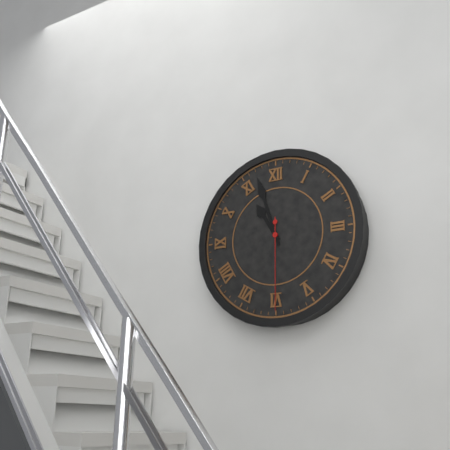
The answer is **10:57:30**
